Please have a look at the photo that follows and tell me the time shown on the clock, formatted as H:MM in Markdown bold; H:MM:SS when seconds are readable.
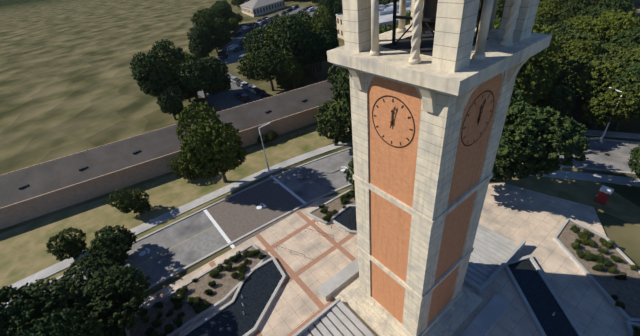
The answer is **12:02**
